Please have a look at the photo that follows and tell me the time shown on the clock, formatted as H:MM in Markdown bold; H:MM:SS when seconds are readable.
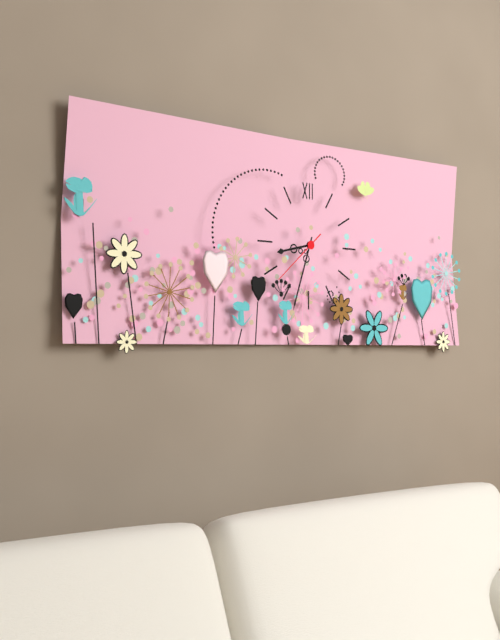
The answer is **8:33:38**
